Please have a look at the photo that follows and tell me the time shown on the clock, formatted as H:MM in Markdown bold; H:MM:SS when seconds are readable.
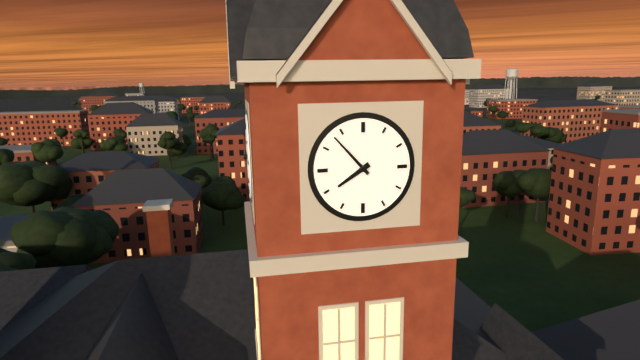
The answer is **7:53**
